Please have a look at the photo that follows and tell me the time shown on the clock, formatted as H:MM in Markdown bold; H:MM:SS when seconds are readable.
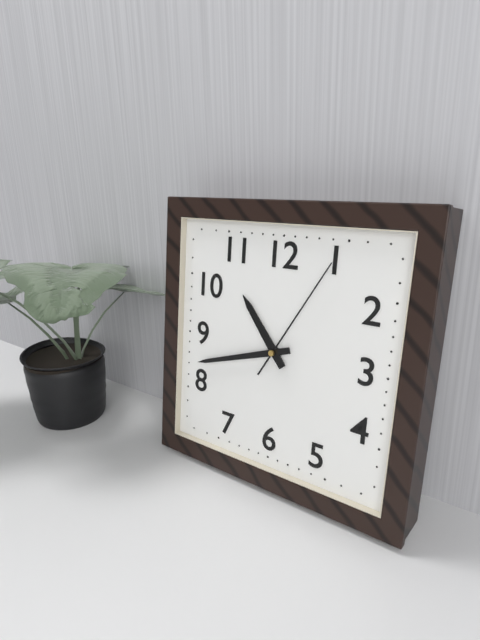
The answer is **10:42:05**
